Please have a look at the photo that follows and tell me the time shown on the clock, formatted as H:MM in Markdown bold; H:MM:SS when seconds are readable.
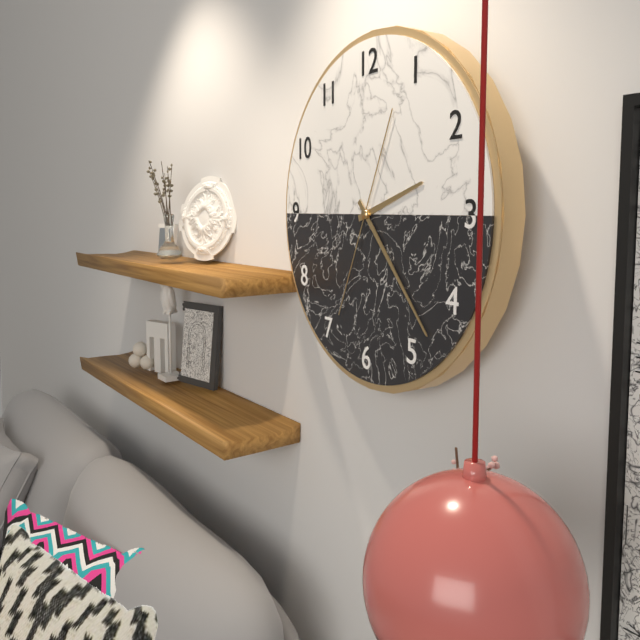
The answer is **2:23:34**
